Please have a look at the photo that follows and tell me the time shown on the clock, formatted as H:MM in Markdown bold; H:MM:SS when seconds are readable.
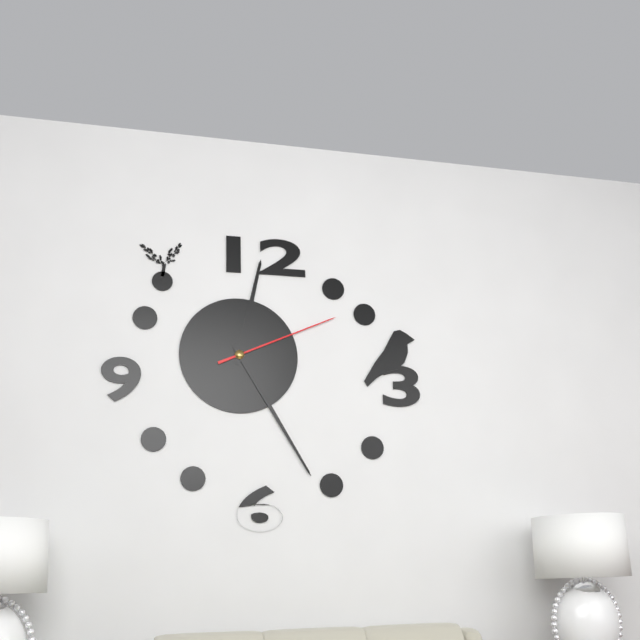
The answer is **12:25:11**
